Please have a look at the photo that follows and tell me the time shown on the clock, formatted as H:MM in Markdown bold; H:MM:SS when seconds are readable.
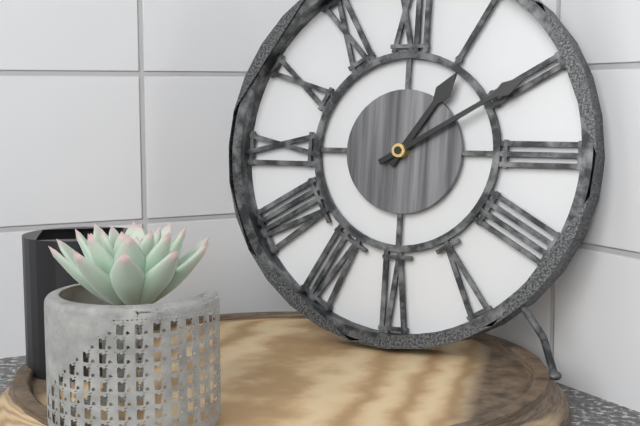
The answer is **1:10**
